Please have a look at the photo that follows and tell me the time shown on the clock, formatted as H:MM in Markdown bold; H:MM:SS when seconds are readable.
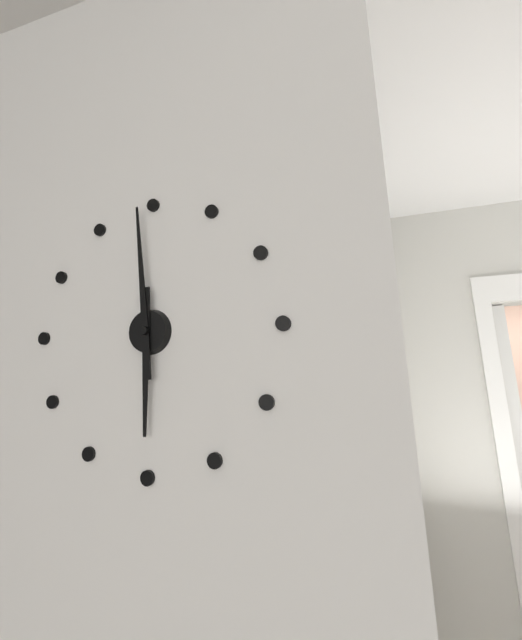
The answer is **5:59**
